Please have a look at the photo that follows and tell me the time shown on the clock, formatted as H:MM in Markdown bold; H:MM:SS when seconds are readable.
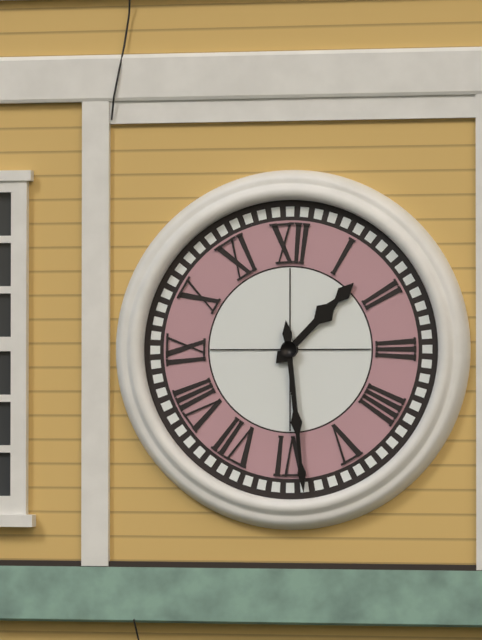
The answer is **1:29**
